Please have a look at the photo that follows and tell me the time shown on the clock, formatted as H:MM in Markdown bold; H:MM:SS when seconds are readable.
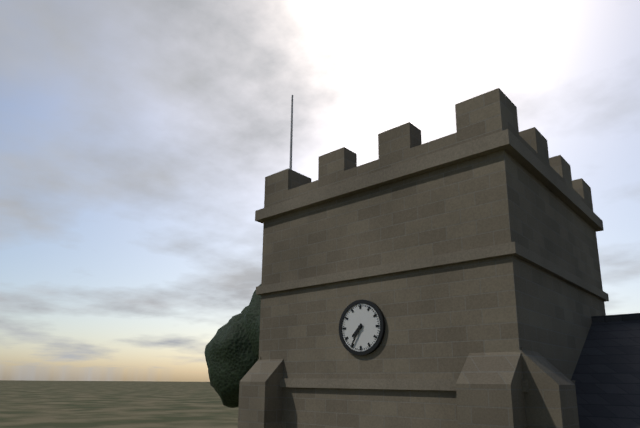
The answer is **7:35**
